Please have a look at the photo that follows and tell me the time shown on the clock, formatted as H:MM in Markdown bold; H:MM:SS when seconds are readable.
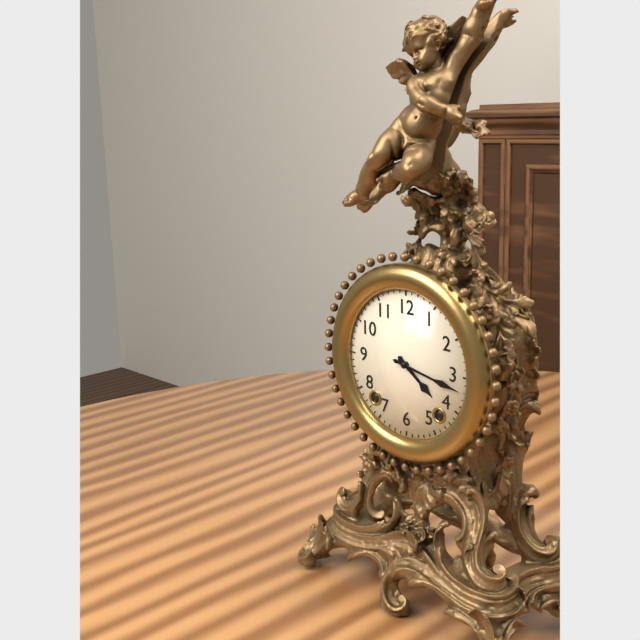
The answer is **4:17**
